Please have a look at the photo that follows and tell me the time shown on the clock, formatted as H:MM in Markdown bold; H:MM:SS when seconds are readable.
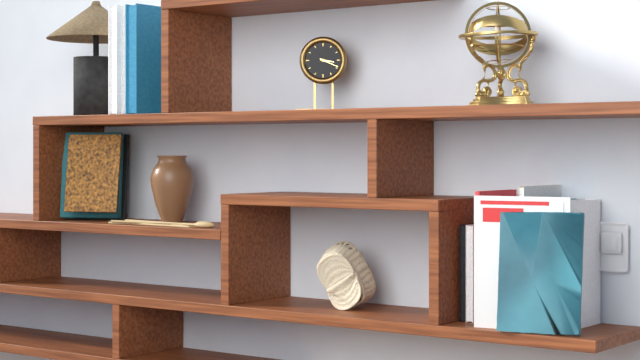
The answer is **3:19**
